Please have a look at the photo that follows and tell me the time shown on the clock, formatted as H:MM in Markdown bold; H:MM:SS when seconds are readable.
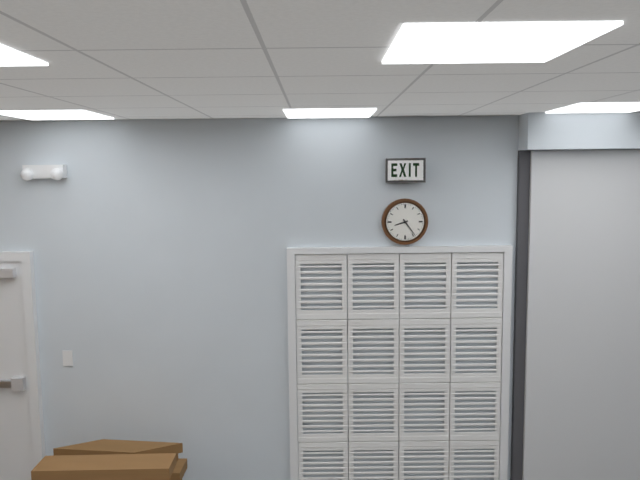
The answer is **8:24**
